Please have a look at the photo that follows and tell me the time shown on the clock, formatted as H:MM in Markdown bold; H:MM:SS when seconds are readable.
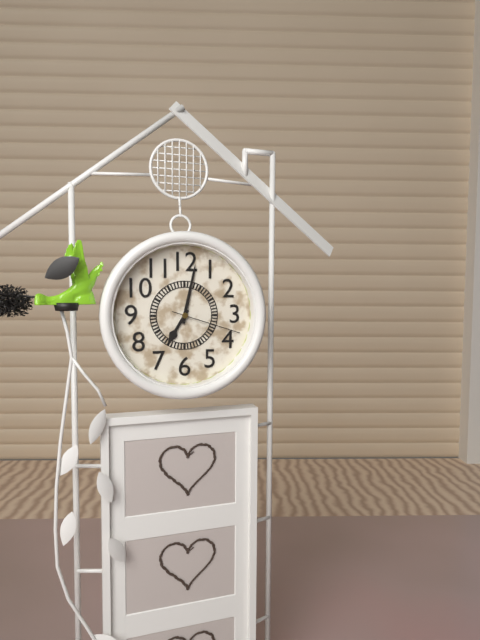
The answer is **7:02:18**
